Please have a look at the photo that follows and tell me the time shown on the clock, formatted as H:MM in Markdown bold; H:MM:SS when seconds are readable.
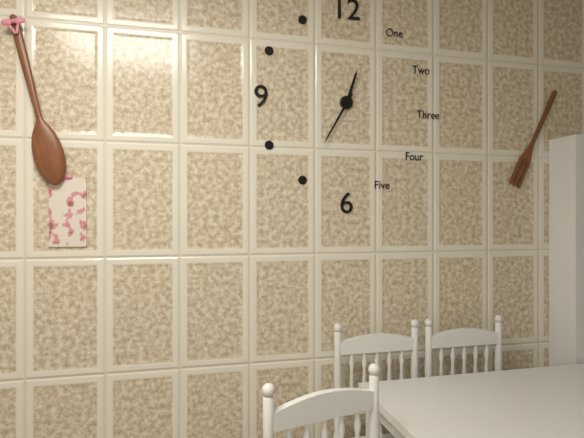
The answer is **12:35**
